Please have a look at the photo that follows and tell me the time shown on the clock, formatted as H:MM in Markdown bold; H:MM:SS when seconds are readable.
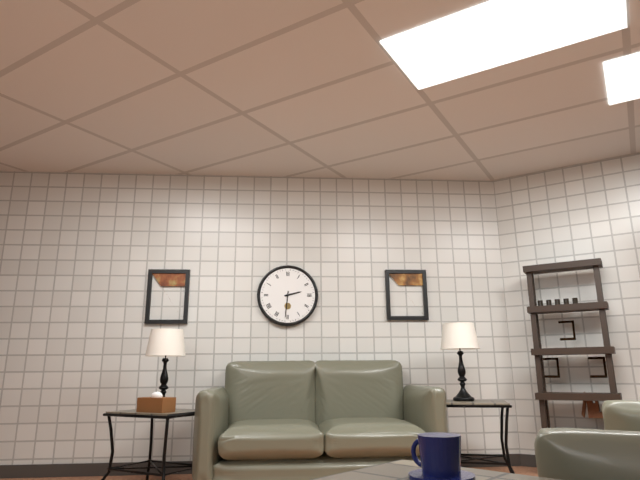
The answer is **2:31**
